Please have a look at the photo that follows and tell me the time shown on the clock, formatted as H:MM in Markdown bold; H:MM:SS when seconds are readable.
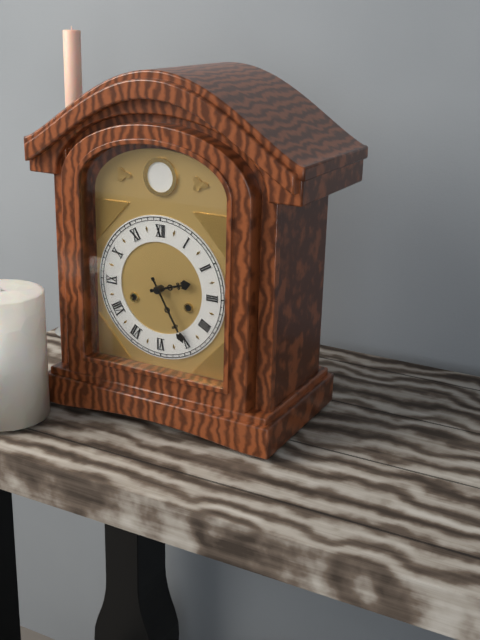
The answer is **2:25**
